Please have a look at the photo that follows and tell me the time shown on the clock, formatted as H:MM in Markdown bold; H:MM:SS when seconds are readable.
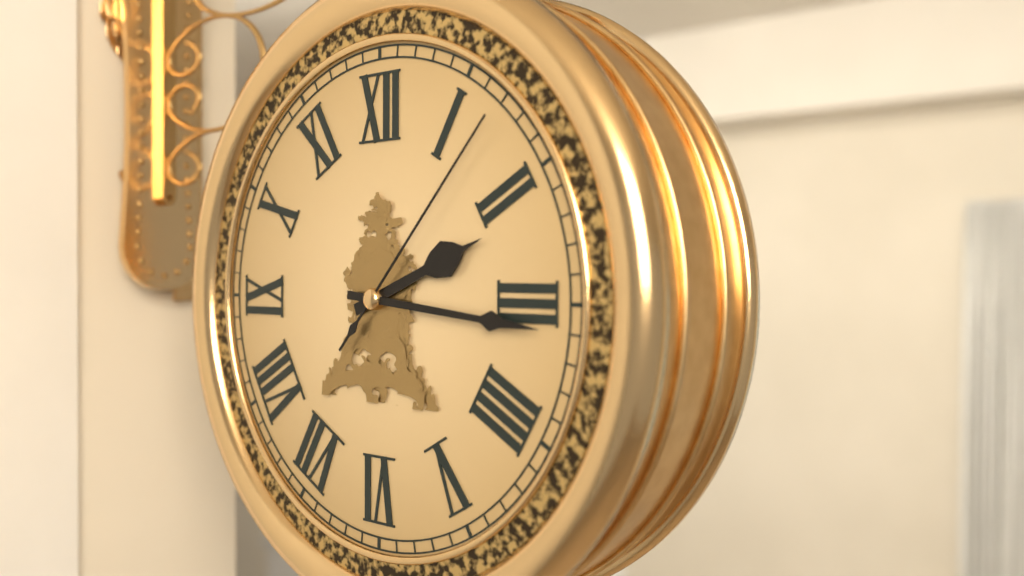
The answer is **2:16:07**
